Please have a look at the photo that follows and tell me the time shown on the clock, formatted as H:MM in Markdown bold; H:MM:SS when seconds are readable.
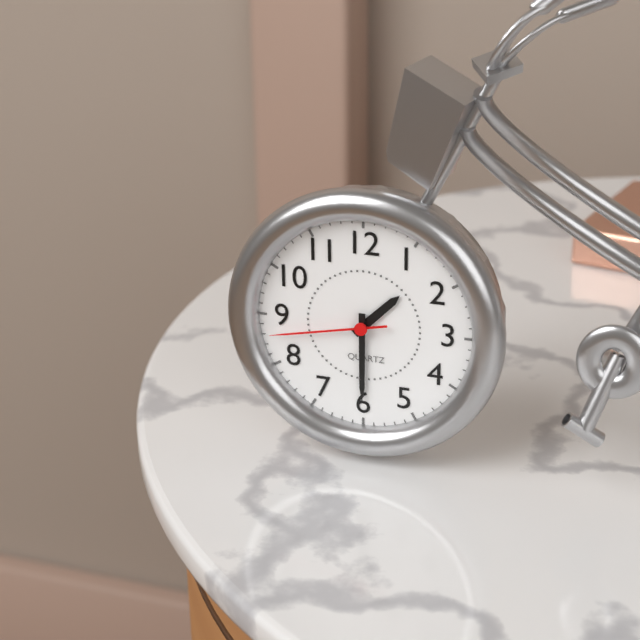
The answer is **1:30:43**
